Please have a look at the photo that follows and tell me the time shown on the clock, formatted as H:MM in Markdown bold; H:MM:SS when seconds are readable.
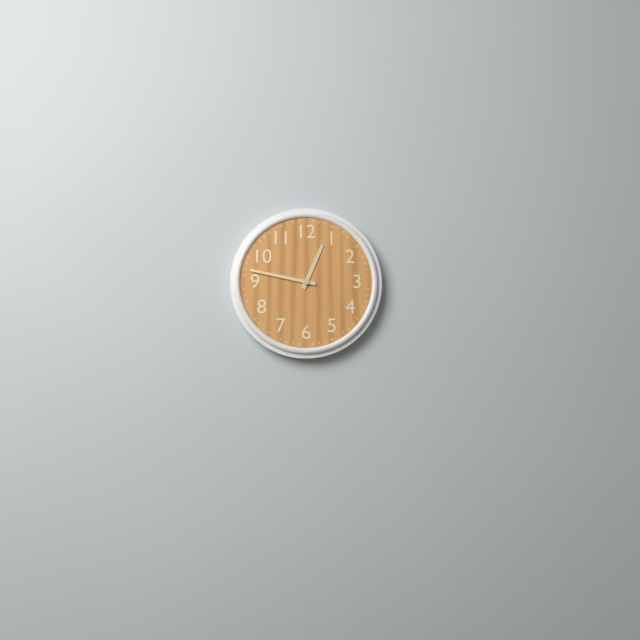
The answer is **12:47**
